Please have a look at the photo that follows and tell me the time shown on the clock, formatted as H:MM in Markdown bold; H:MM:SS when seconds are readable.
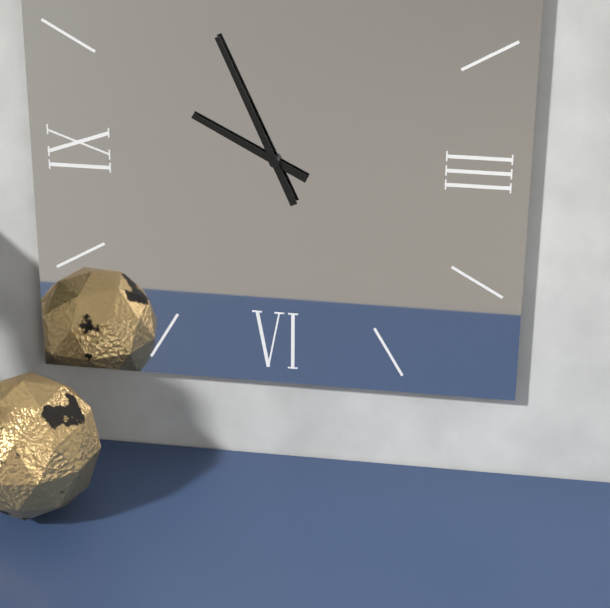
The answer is **9:56**
